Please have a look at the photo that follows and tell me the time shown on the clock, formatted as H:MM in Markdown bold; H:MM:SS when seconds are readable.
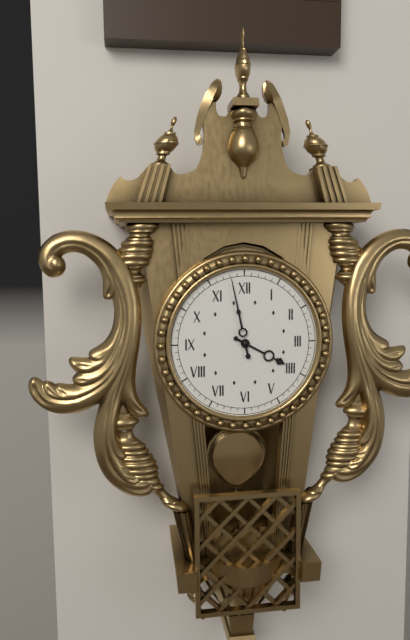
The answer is **3:58**
